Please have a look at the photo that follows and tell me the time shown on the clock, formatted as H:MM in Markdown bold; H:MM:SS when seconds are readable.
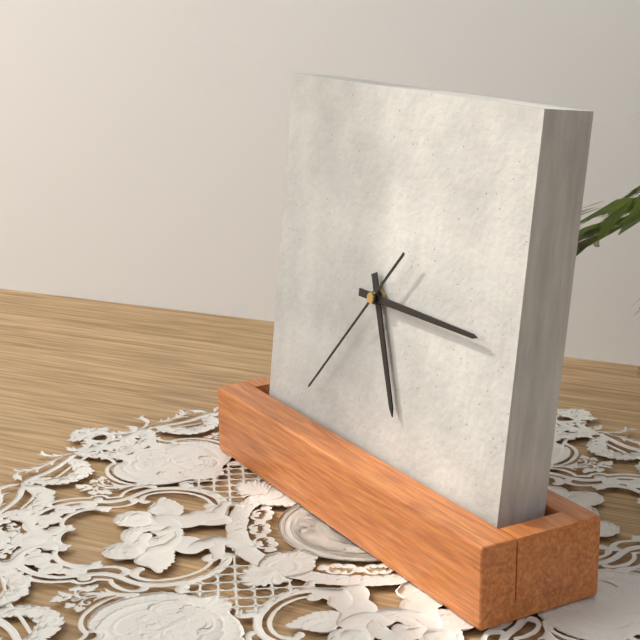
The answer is **5:15:37**
